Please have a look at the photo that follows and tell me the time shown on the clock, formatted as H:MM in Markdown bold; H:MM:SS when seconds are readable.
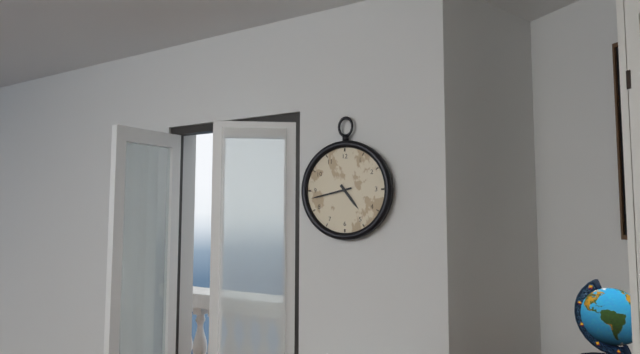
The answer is **4:43**
